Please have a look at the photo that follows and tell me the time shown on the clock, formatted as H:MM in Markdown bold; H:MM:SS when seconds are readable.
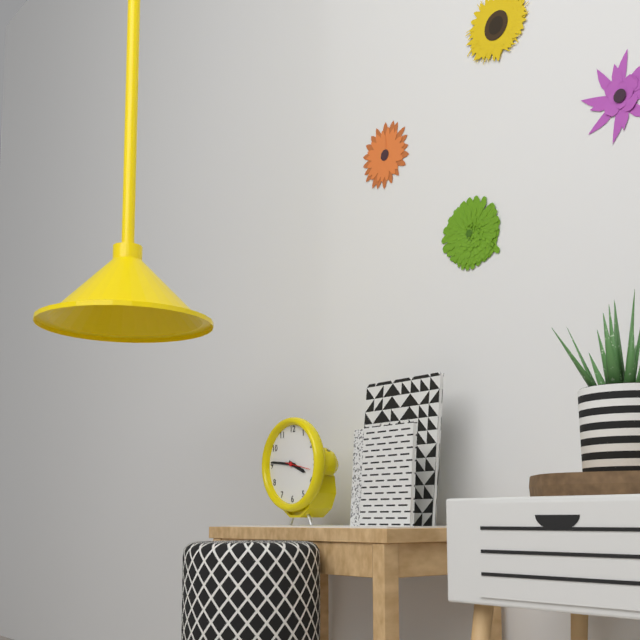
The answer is **3:46**
